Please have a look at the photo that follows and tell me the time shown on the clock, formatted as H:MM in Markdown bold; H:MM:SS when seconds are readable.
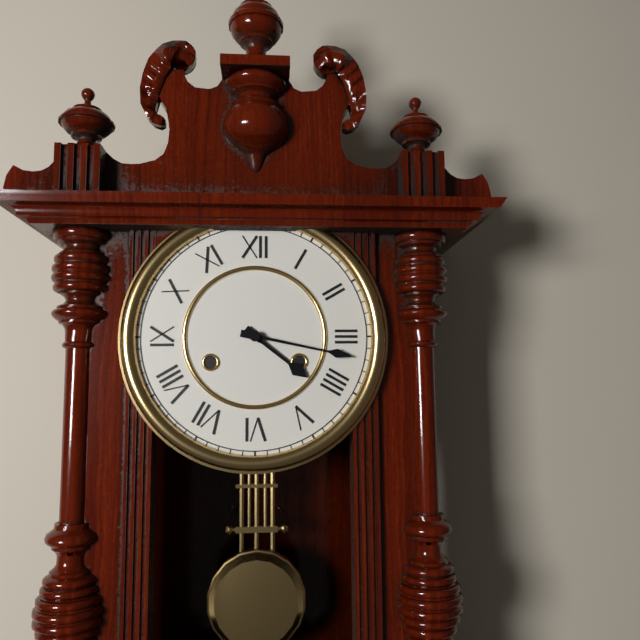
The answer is **4:17**
